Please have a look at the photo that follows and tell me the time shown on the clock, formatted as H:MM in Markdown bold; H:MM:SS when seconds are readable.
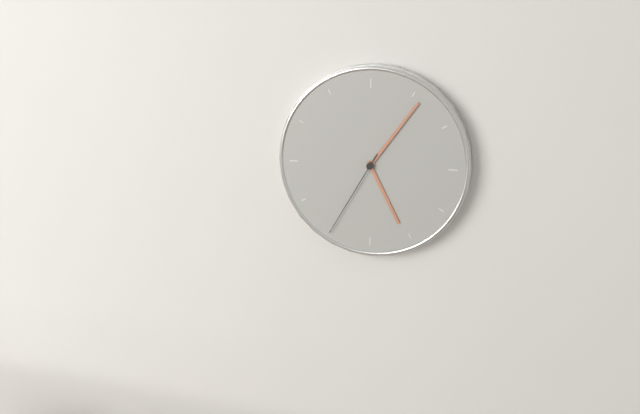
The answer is **5:06:35**
